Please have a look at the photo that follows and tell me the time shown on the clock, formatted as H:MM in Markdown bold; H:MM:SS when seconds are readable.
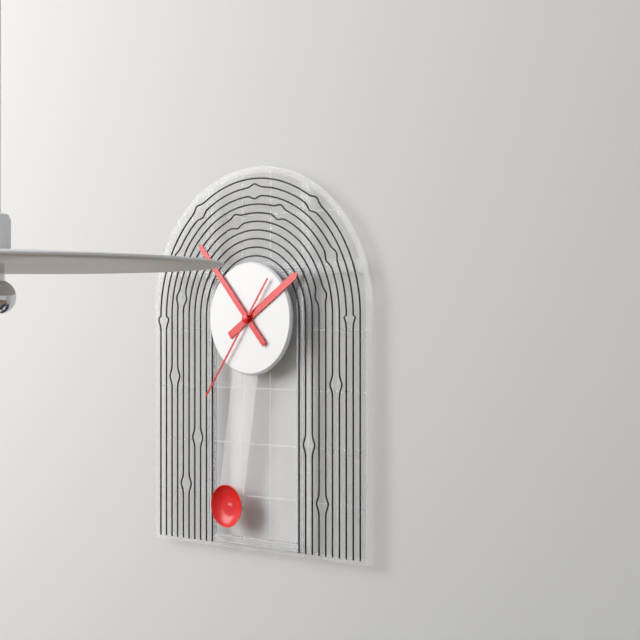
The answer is **1:53:36**
